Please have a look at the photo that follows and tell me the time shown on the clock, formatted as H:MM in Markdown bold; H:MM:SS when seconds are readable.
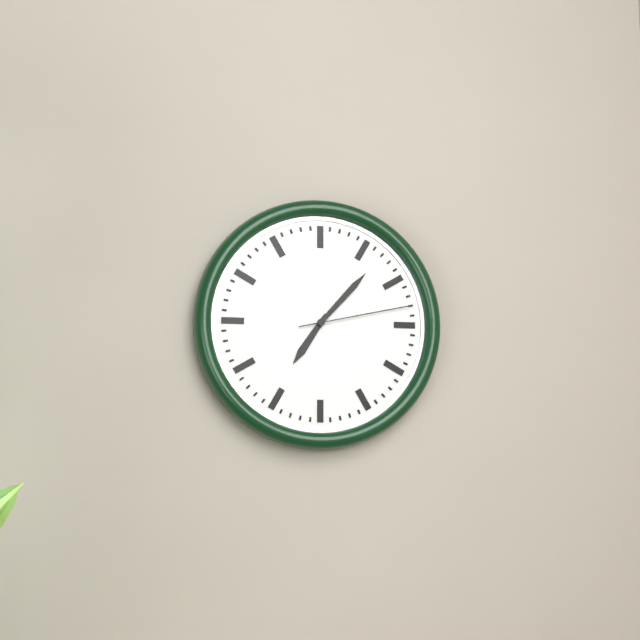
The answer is **7:07:13**
